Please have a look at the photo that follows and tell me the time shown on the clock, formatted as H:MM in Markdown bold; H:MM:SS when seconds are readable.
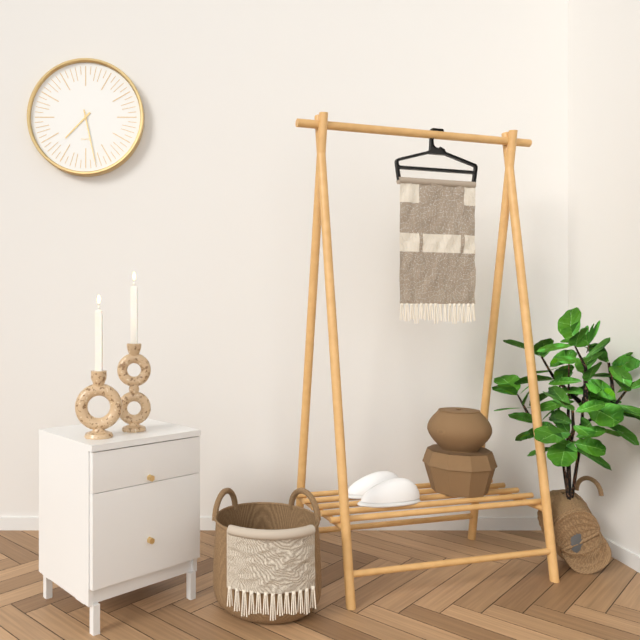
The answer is **7:28**
